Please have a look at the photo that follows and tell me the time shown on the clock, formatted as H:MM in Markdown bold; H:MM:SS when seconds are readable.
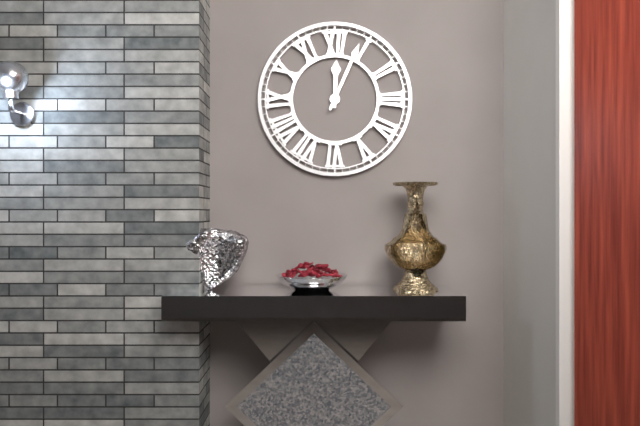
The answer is **12:04**
